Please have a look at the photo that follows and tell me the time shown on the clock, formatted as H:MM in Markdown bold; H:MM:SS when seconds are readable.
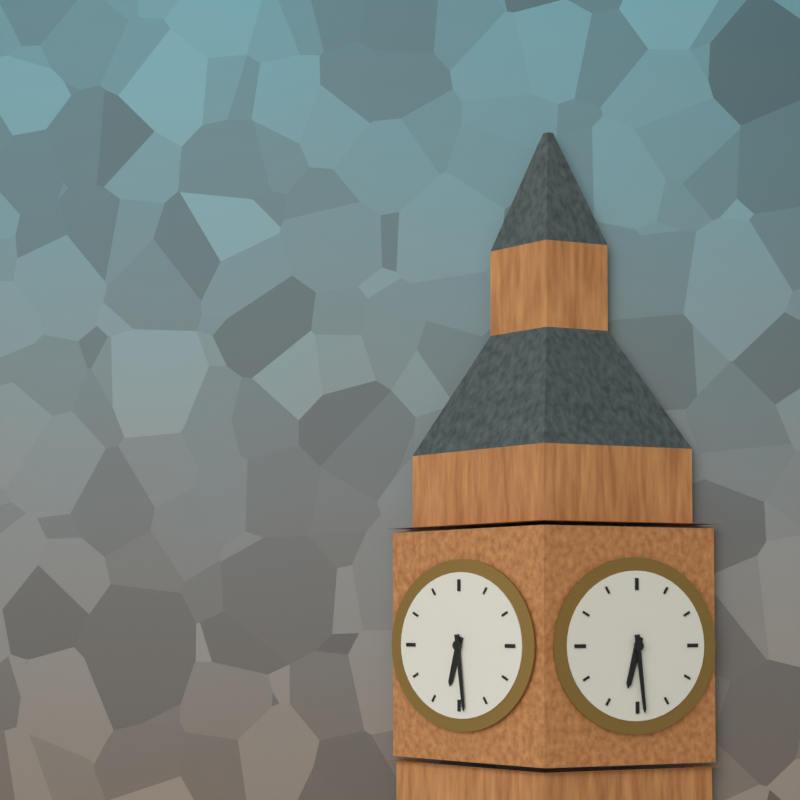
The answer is **6:29**
